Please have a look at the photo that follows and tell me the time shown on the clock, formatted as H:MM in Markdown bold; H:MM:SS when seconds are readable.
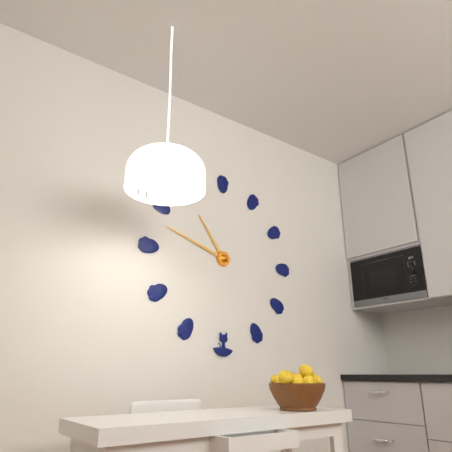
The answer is **10:48**
